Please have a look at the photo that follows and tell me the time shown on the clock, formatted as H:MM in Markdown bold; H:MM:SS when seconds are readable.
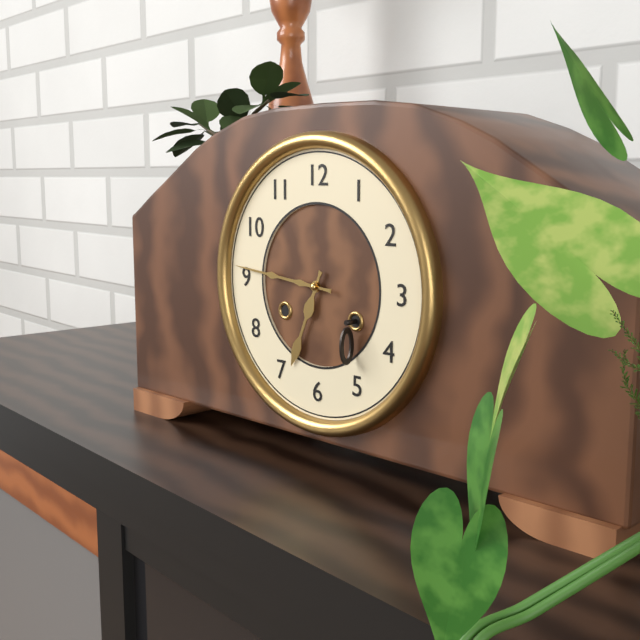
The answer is **6:46**
